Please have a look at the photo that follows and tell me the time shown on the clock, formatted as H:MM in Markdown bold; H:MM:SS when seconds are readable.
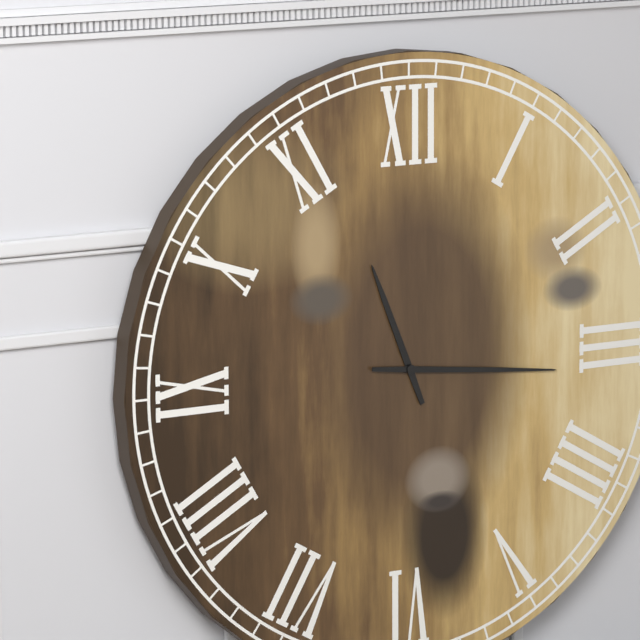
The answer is **11:16**
